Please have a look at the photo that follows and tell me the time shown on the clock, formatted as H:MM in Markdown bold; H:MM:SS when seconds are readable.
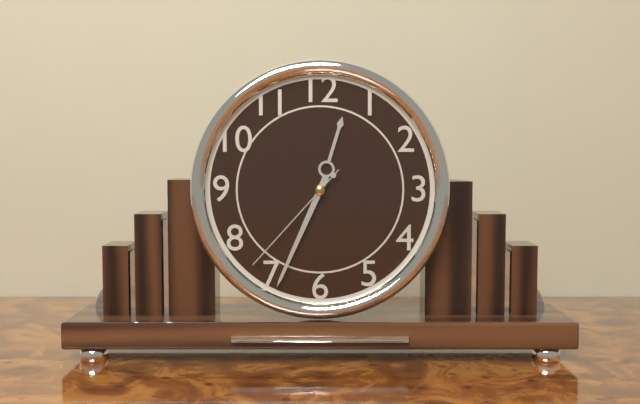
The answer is **12:34:37**
